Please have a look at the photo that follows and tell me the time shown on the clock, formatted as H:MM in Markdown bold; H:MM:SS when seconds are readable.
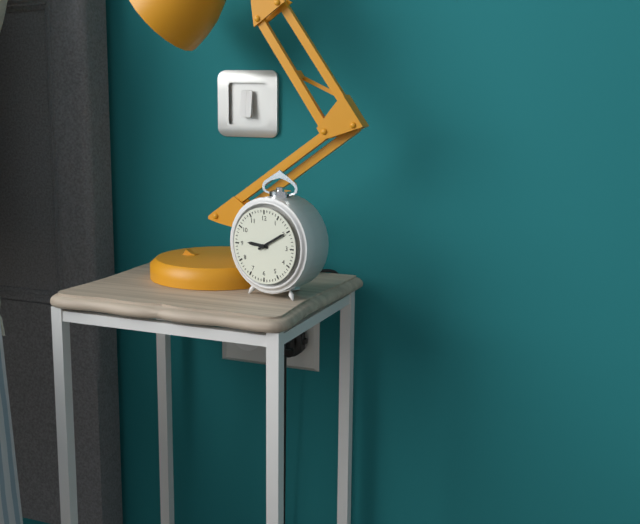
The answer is **9:10**
